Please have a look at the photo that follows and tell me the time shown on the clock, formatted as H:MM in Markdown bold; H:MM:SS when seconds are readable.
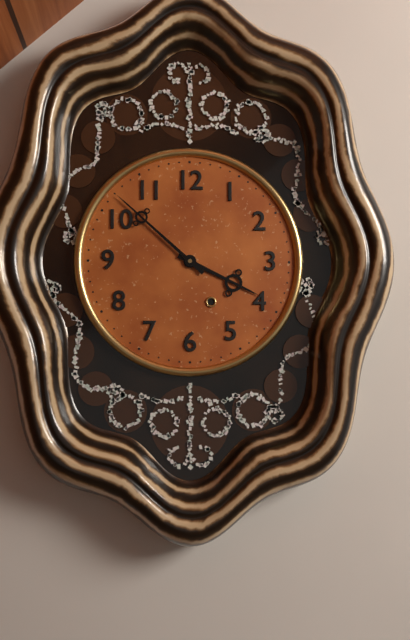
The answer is **3:52**
